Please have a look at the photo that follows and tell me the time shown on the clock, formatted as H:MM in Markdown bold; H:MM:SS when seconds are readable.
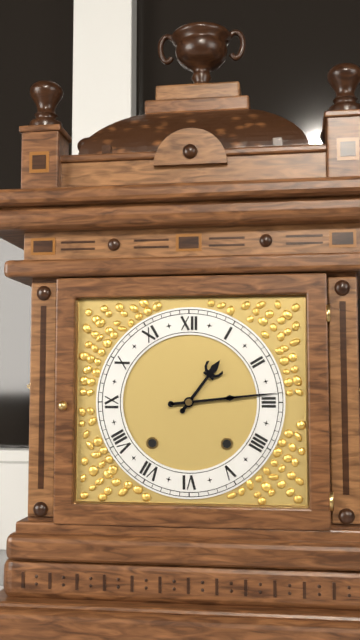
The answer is **1:14**
